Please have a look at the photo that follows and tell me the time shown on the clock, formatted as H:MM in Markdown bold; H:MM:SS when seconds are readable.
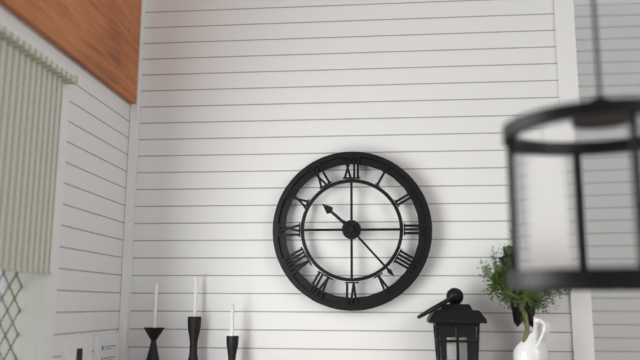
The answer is **10:23**
